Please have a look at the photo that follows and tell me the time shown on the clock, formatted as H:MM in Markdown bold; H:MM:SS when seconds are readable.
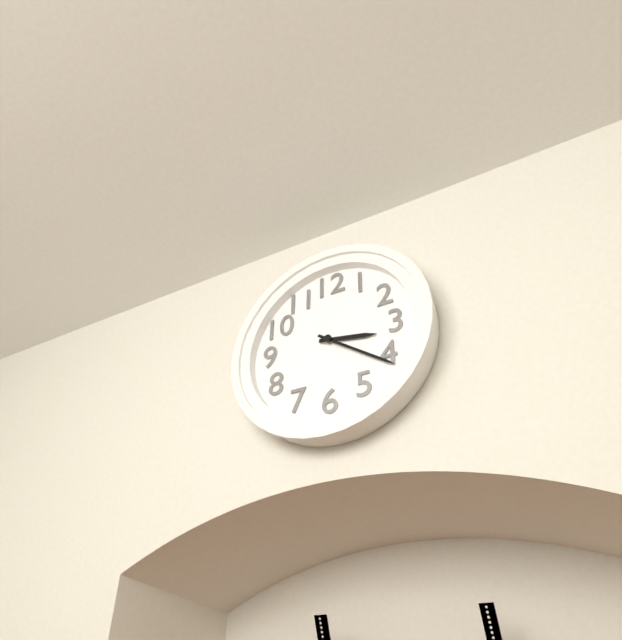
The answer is **3:21**
